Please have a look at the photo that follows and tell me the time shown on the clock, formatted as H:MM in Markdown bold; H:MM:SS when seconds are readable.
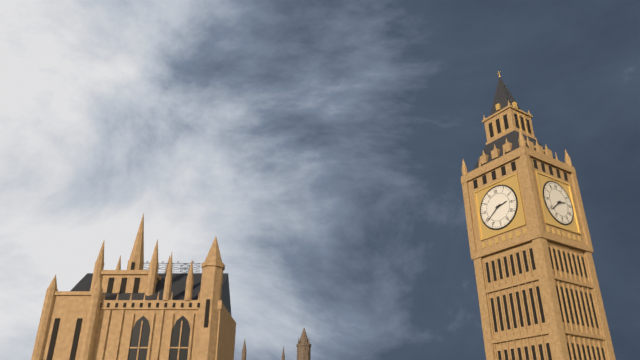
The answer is **2:39**
